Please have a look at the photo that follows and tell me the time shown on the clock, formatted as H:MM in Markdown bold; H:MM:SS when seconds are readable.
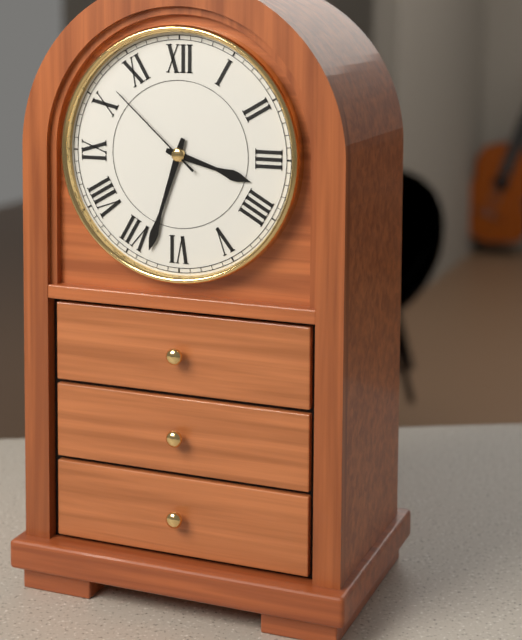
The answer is **3:33:52**
